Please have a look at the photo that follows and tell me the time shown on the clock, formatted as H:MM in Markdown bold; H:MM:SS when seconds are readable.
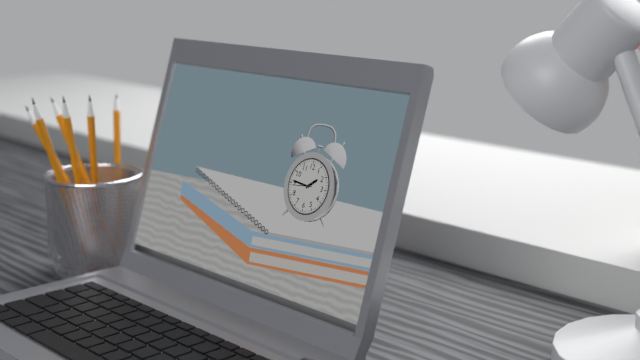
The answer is **1:46**
